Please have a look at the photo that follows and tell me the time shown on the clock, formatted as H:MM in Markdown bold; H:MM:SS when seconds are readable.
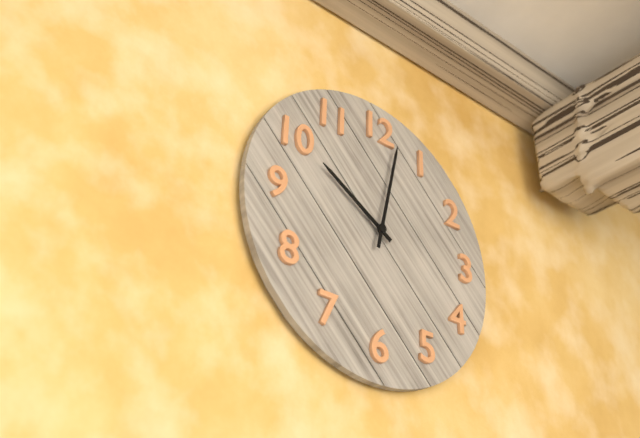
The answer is **10:02**
